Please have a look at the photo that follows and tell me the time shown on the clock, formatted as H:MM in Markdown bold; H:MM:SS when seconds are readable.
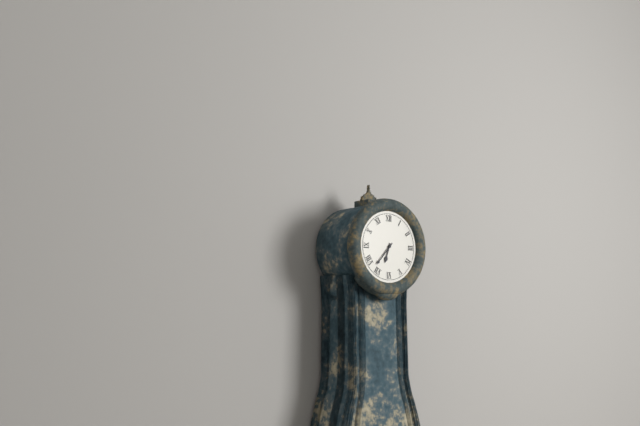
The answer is **6:37**
